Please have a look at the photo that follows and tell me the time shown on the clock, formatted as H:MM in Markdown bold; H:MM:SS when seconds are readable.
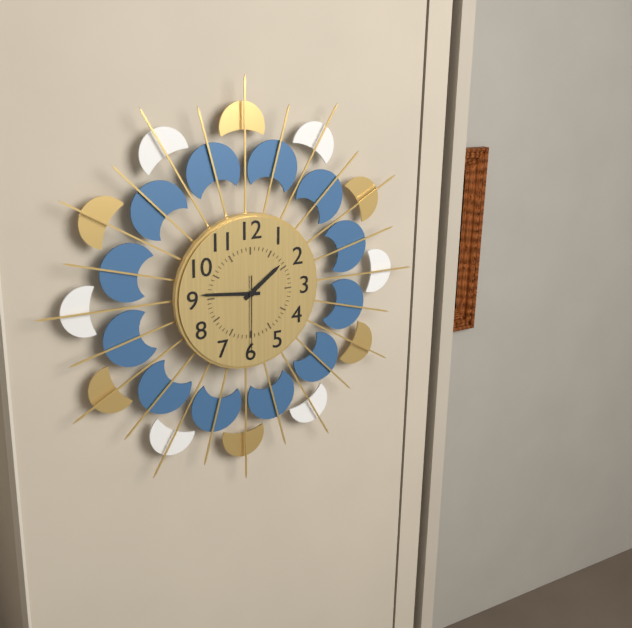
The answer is **1:46:30**
